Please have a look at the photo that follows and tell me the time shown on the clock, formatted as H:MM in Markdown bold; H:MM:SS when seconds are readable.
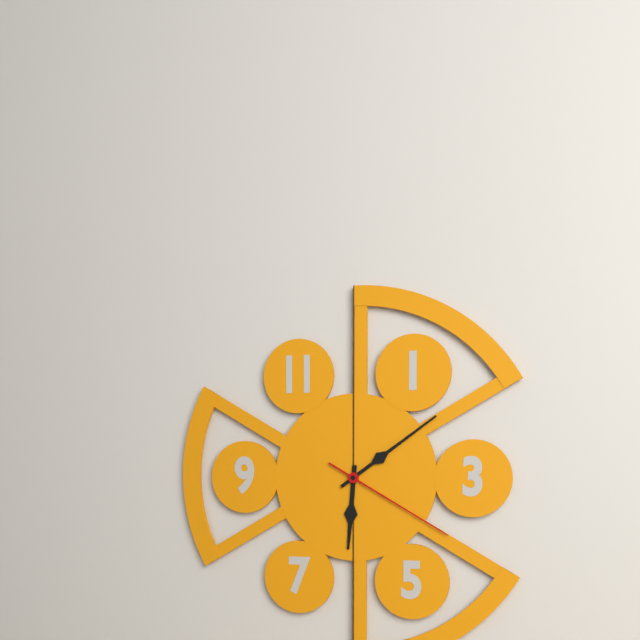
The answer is **6:09:20**
